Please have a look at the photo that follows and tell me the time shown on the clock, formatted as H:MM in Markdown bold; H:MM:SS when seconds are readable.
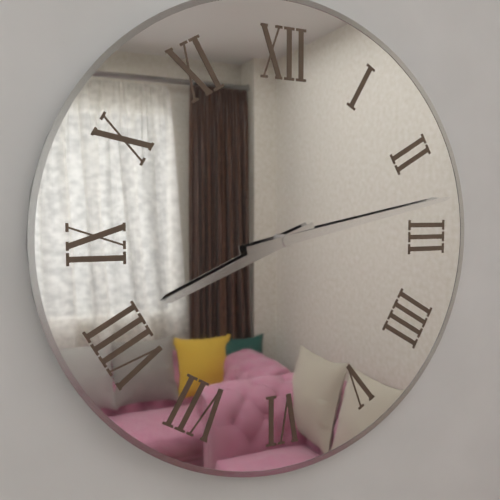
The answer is **8:13**
